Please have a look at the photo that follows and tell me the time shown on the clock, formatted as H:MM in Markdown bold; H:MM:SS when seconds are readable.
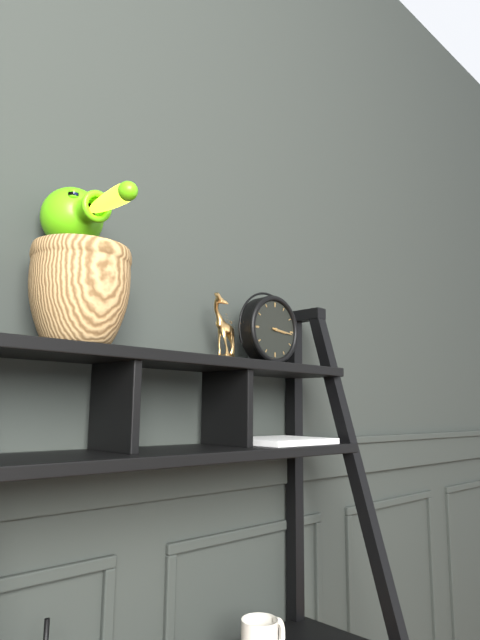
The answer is **3:16**
